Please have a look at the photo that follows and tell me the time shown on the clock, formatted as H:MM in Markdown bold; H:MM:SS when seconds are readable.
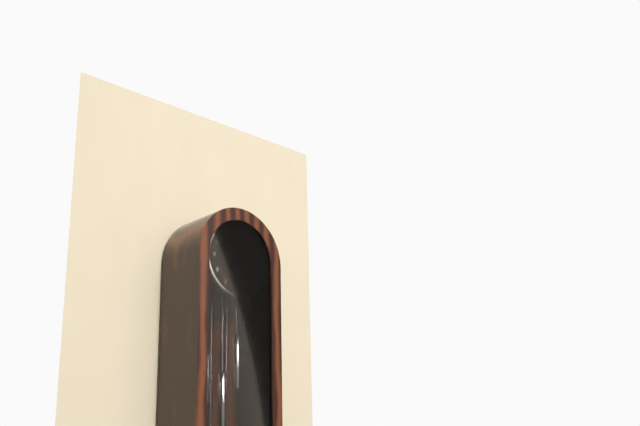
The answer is **10:11**
